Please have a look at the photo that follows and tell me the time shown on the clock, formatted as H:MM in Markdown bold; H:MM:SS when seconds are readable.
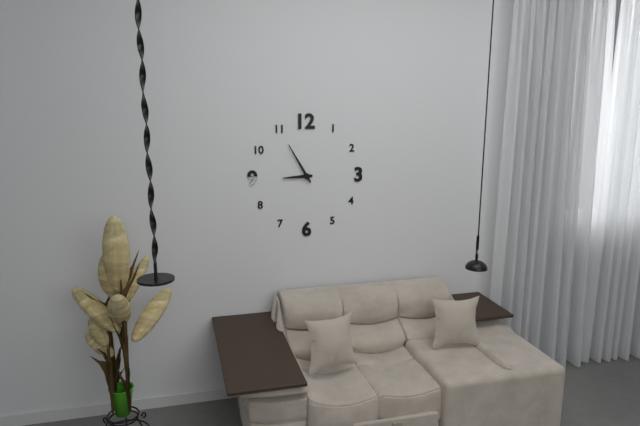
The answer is **8:55**
